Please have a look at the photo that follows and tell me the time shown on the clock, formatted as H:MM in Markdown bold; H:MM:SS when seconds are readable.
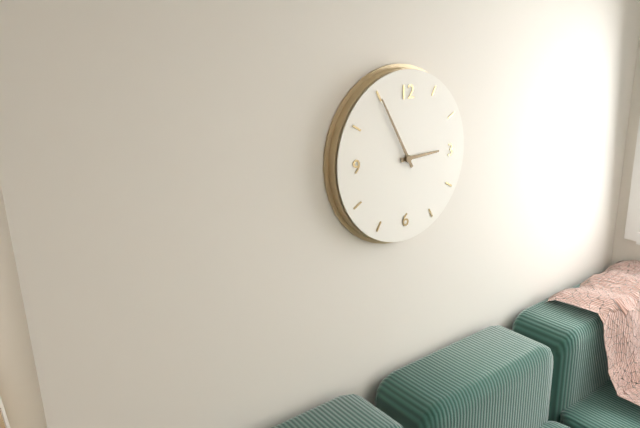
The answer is **2:55**
